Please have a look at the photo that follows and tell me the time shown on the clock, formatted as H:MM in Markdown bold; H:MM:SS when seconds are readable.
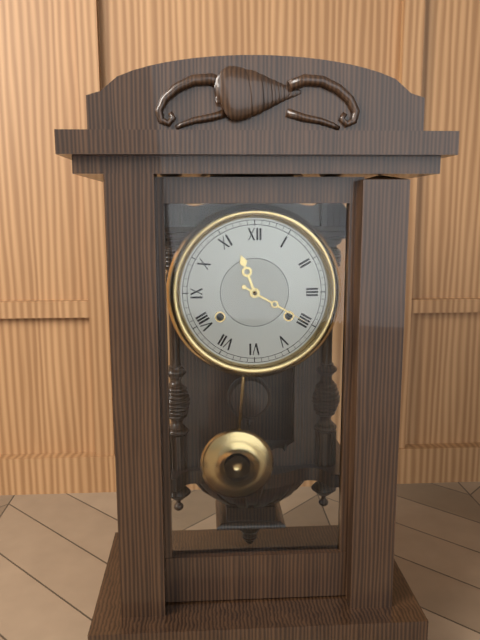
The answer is **11:20**
